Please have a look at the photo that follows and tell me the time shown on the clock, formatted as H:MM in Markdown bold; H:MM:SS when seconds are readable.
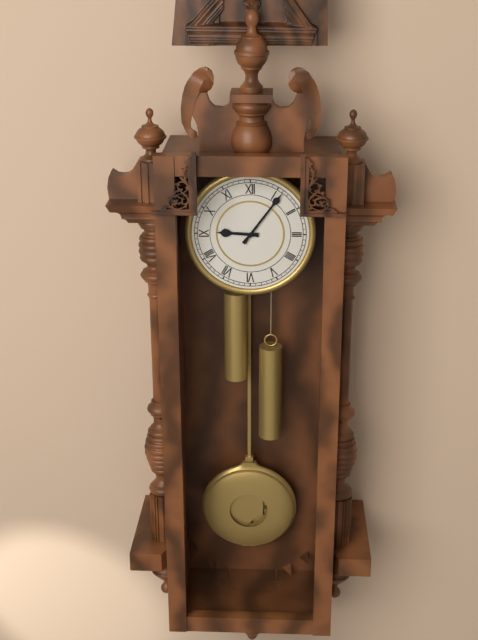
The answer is **9:06**
